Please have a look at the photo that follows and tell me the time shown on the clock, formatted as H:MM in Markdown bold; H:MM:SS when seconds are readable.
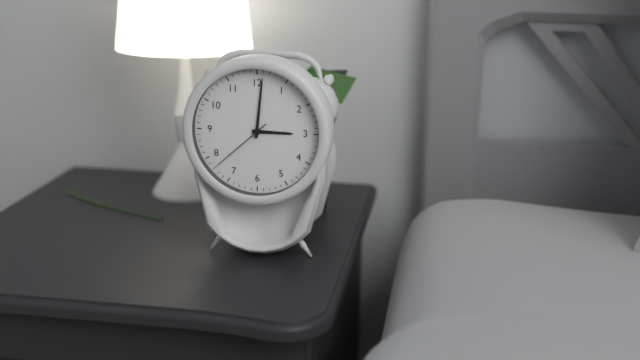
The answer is **3:01:38**
